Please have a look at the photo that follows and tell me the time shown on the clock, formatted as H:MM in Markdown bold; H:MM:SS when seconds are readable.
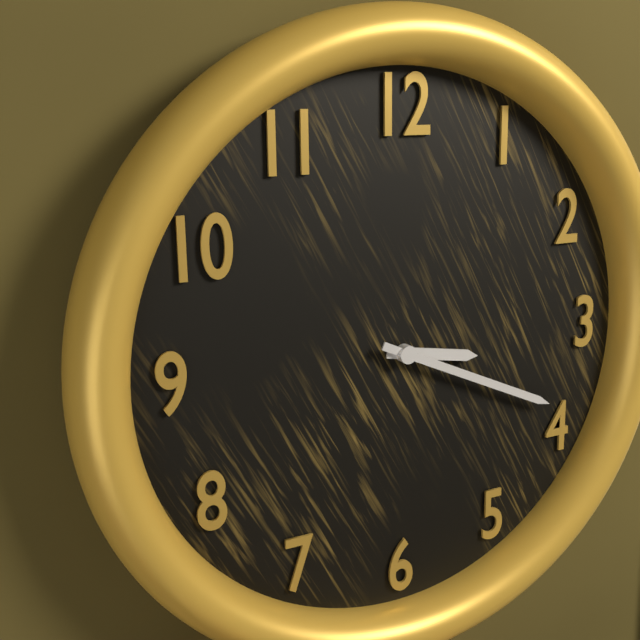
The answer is **3:19**
